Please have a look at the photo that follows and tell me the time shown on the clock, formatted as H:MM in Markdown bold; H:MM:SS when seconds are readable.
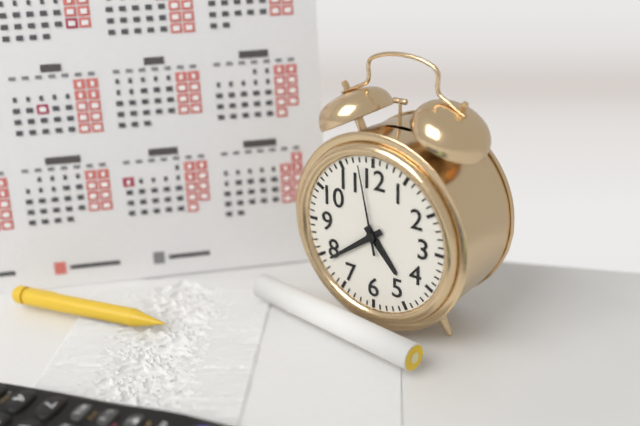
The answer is **4:39:58**
